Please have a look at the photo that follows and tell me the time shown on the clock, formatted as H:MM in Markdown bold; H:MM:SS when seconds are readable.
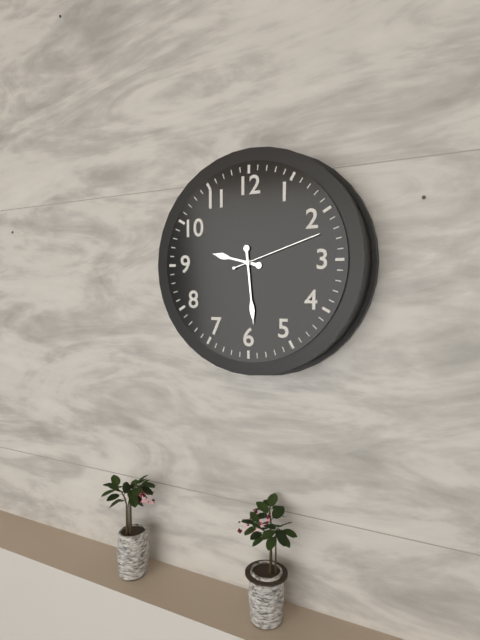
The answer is **9:29:12**
